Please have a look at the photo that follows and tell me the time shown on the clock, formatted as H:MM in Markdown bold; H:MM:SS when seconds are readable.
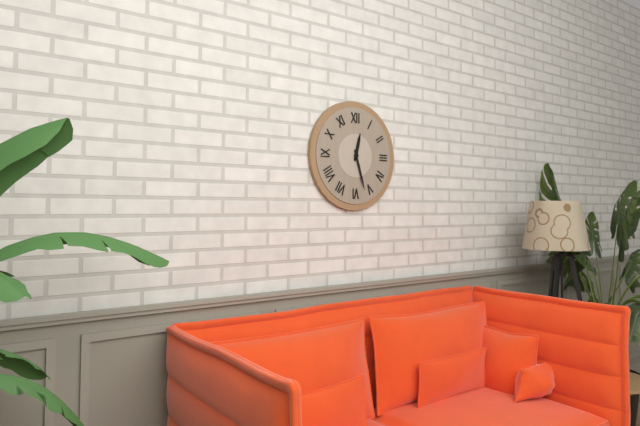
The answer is **12:27**
